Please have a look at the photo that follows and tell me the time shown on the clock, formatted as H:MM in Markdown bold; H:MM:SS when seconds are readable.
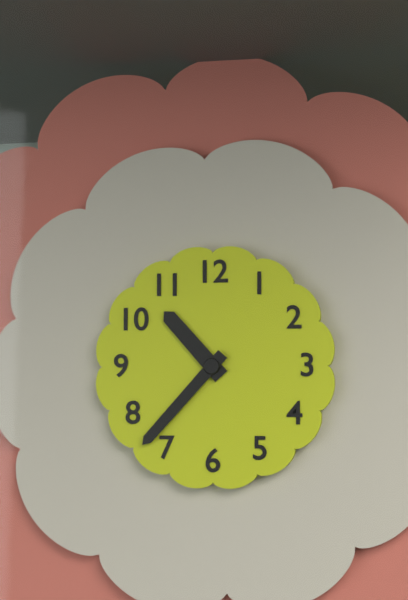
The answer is **10:37**
